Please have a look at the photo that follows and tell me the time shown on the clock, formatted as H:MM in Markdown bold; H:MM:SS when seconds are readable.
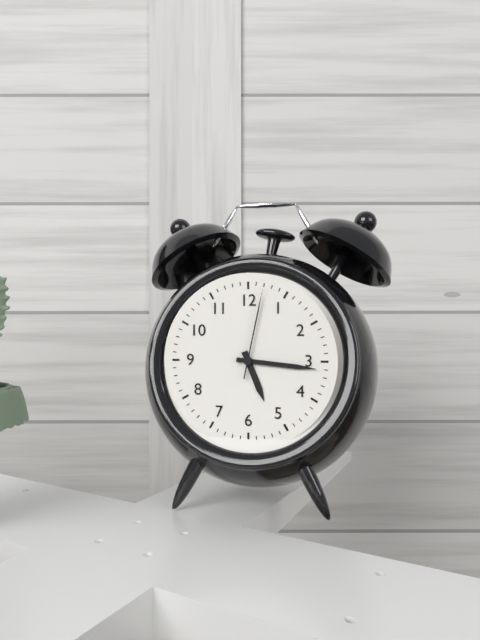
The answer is **5:16:02**
